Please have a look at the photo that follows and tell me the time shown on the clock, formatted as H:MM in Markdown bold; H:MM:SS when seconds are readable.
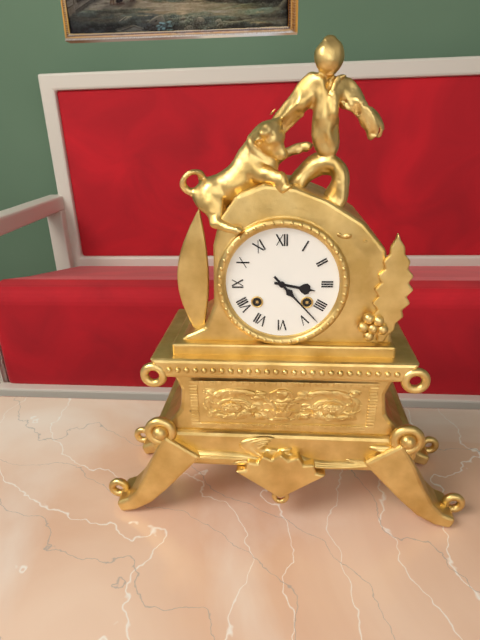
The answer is **3:23**
